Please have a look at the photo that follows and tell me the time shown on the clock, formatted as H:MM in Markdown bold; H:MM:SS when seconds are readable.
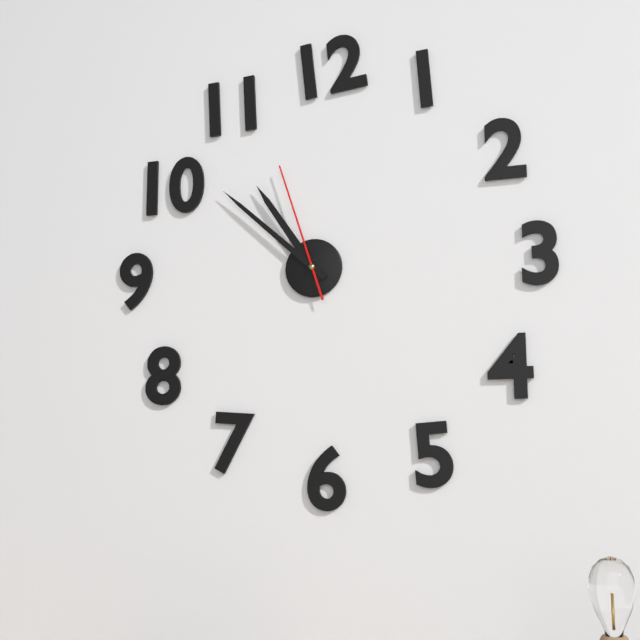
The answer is **10:52:57**
